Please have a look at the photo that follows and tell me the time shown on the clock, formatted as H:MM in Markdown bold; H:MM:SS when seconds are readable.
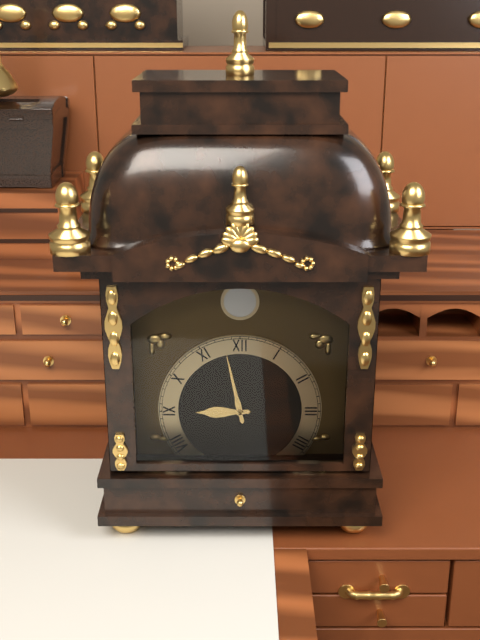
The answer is **8:58**
